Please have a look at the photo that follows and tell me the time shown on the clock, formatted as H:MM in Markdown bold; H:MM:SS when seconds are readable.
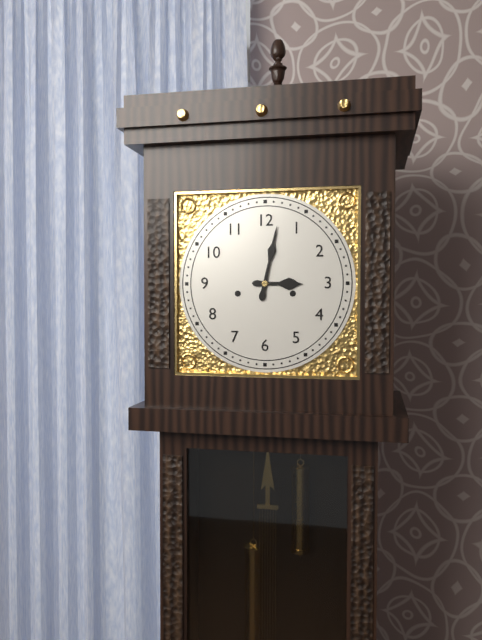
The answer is **3:02**
